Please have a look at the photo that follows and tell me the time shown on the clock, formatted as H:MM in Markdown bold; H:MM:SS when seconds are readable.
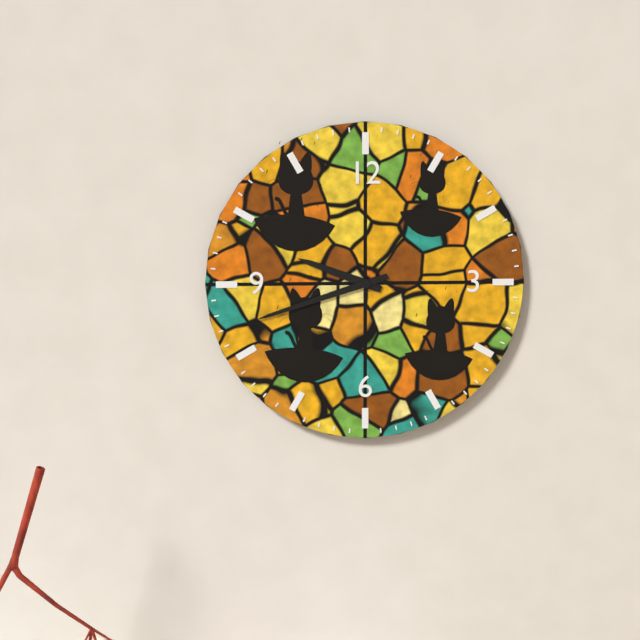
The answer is **9:42**
